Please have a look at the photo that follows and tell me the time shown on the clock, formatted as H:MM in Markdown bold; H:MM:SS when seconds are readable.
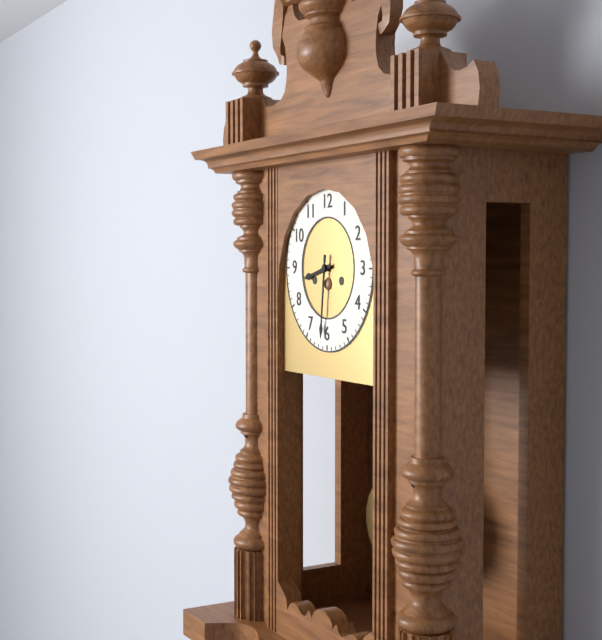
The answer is **8:31**
